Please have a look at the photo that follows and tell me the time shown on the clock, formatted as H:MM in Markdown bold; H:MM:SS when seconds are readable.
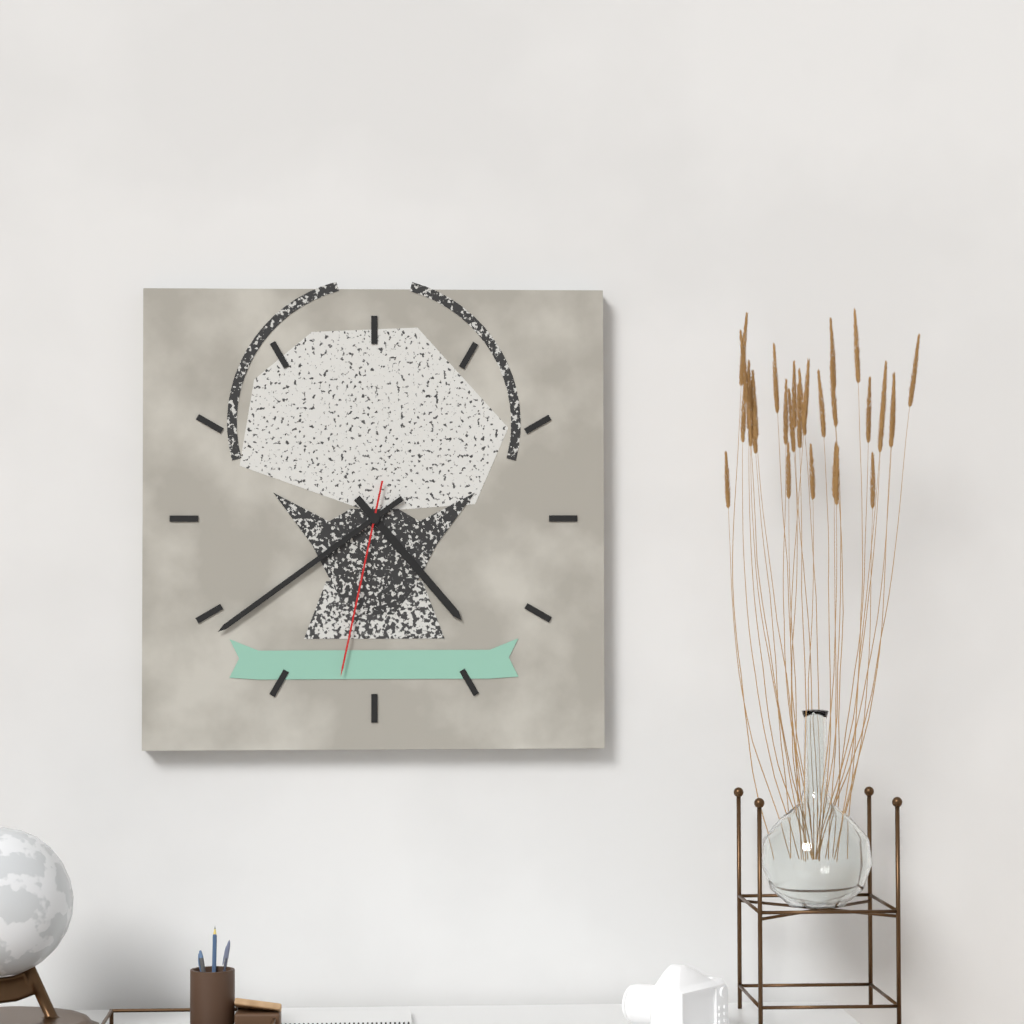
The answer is **4:39:32**
